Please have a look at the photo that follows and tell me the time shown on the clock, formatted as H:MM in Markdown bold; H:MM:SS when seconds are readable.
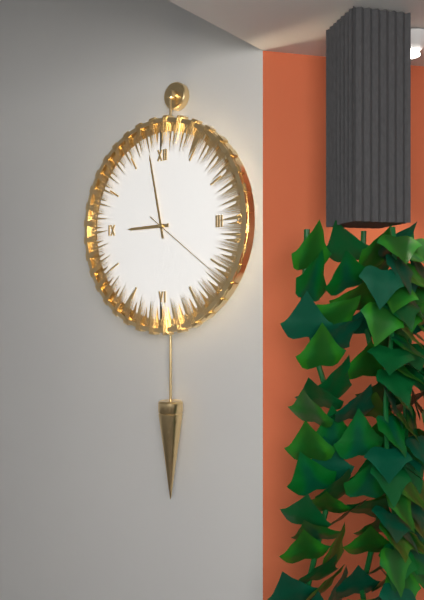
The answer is **8:58:21**
